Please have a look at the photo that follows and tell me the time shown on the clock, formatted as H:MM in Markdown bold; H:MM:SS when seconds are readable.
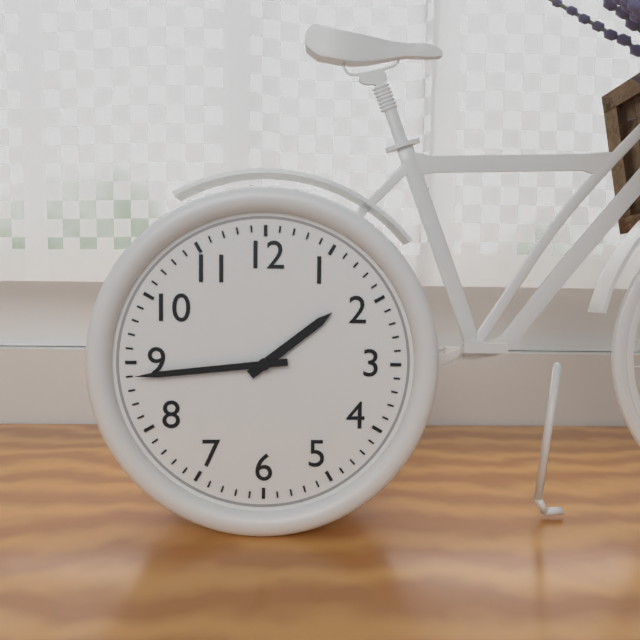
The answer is **1:44**
